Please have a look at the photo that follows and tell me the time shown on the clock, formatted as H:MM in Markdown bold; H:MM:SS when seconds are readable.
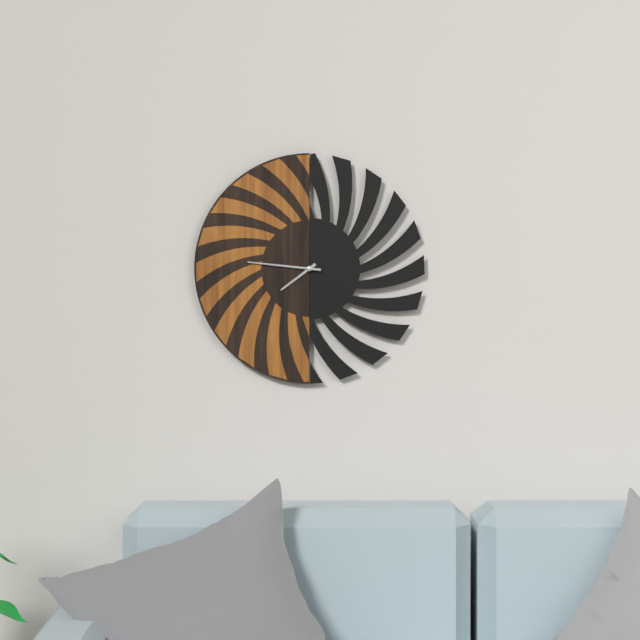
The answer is **7:46**
